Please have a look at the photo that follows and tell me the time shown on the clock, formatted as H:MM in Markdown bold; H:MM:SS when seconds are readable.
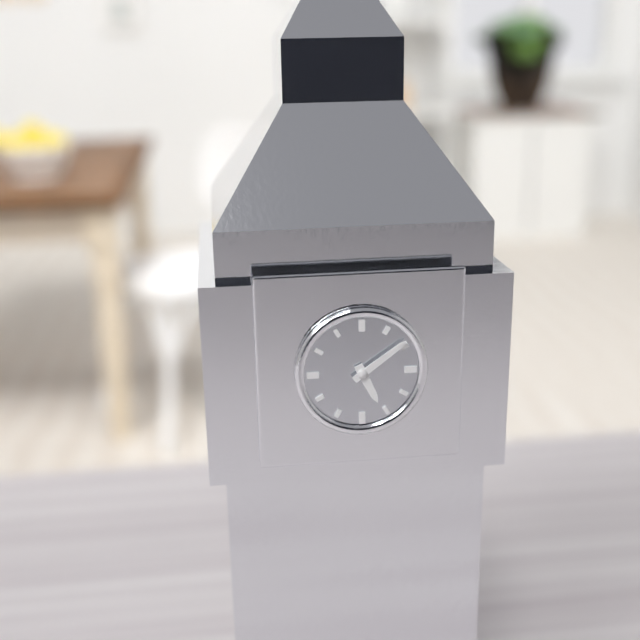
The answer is **5:09**
